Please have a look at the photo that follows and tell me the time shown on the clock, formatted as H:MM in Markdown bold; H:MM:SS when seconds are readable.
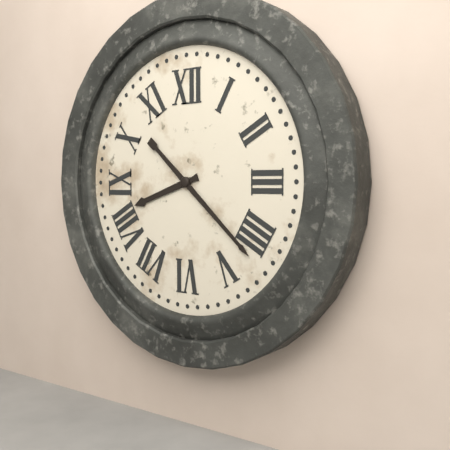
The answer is **8:22**
